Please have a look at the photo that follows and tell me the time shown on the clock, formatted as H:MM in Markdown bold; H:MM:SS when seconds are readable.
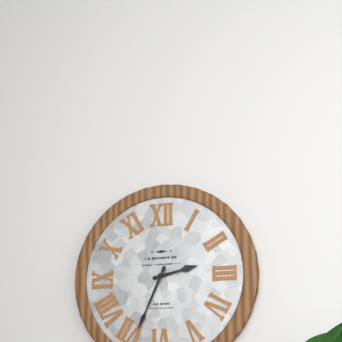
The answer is **2:34**
